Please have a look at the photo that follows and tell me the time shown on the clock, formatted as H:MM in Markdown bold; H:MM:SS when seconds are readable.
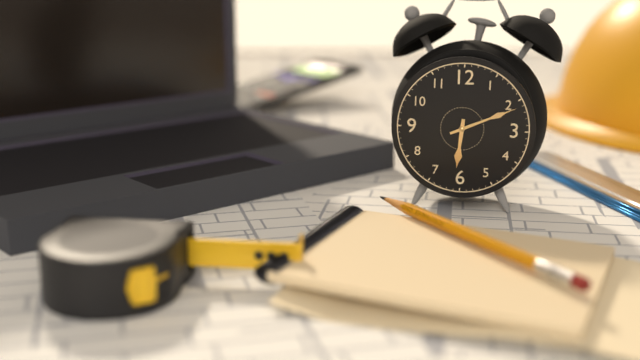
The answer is **6:11**
